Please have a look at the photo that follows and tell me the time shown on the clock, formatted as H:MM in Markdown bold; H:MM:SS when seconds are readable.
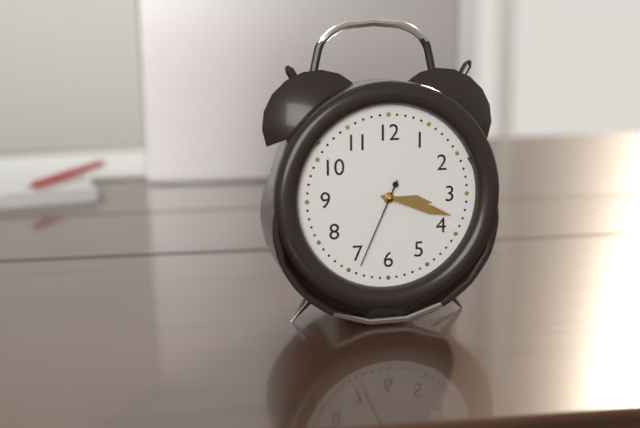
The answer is **3:18:34**
